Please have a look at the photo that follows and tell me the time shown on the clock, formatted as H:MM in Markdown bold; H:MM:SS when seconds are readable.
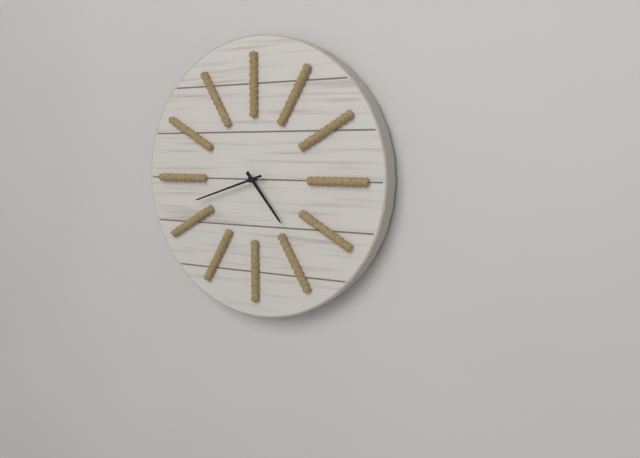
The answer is **4:42**
